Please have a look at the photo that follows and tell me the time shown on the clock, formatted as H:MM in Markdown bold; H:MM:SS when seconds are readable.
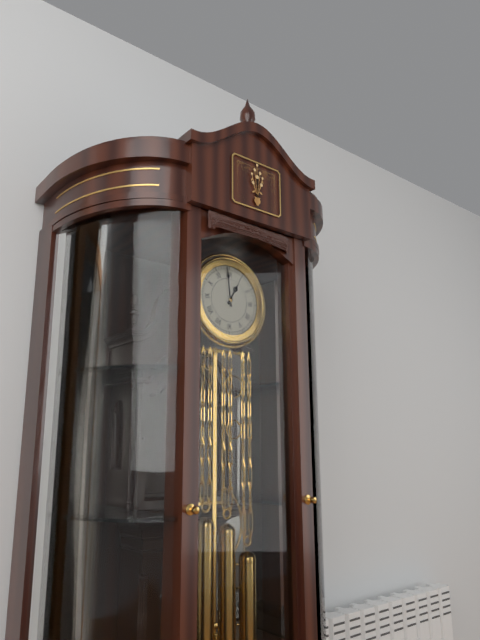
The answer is **12:59**
